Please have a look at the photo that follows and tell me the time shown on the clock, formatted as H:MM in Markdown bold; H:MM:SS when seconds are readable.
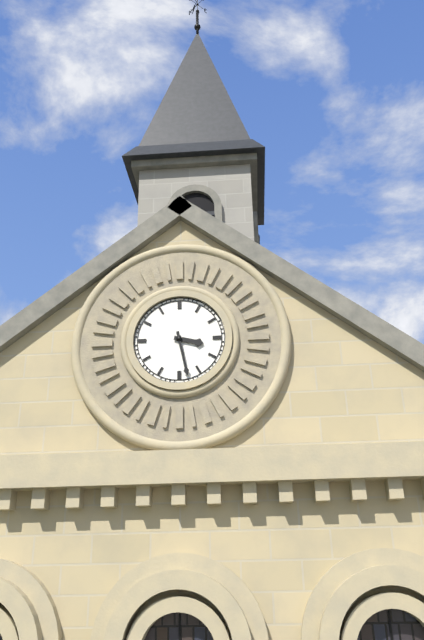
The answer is **3:28**
